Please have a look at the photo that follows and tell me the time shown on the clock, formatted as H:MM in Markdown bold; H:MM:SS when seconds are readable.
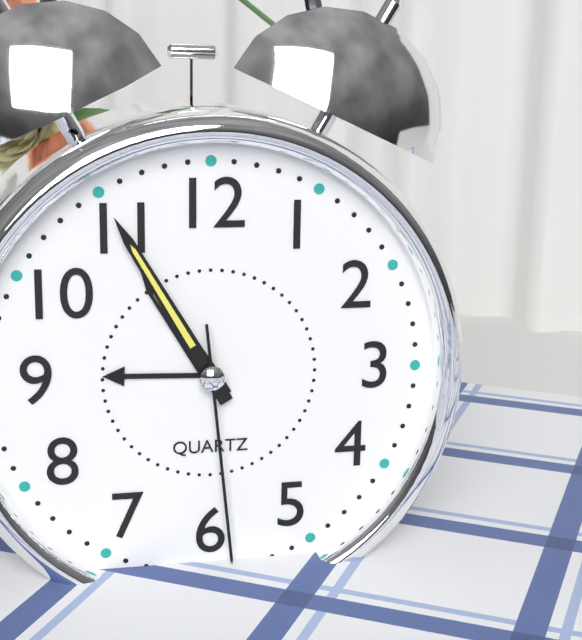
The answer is **10:55:29**
